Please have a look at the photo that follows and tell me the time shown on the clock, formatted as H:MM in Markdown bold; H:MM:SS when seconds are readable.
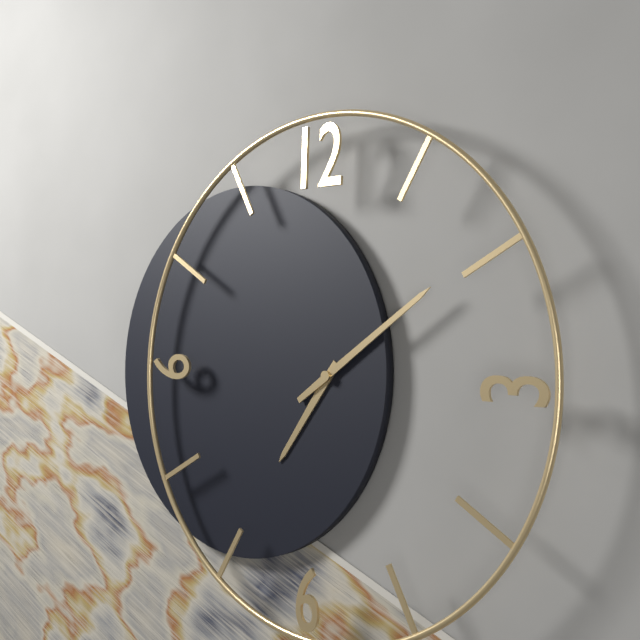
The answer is **7:09**
